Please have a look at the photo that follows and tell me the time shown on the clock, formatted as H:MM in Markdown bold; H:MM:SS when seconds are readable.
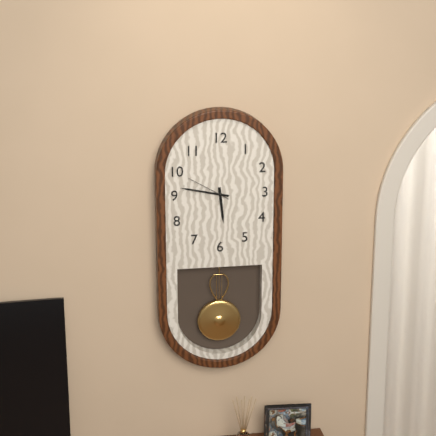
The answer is **5:47**
